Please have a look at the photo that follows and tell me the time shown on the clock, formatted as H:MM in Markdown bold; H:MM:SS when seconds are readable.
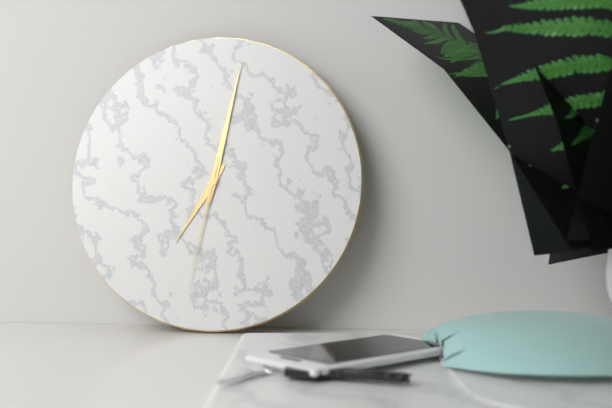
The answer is **7:02:32**
